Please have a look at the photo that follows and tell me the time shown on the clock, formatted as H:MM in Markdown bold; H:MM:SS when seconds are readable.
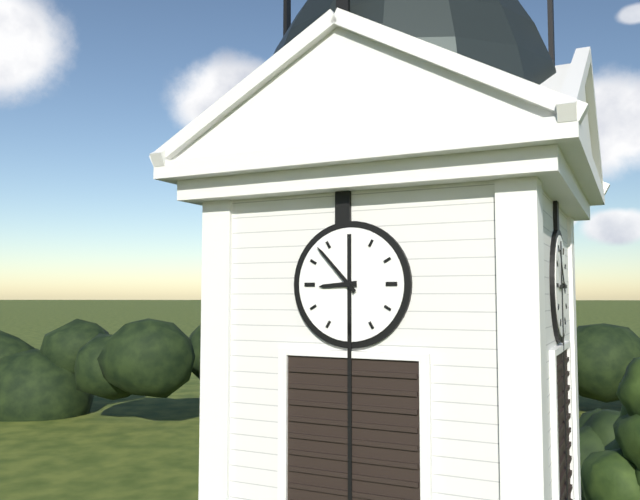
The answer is **8:53**
